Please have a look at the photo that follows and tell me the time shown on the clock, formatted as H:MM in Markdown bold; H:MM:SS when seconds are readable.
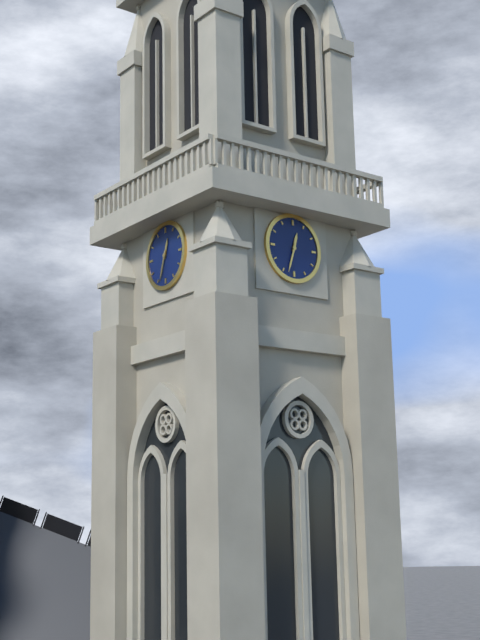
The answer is **12:33**
